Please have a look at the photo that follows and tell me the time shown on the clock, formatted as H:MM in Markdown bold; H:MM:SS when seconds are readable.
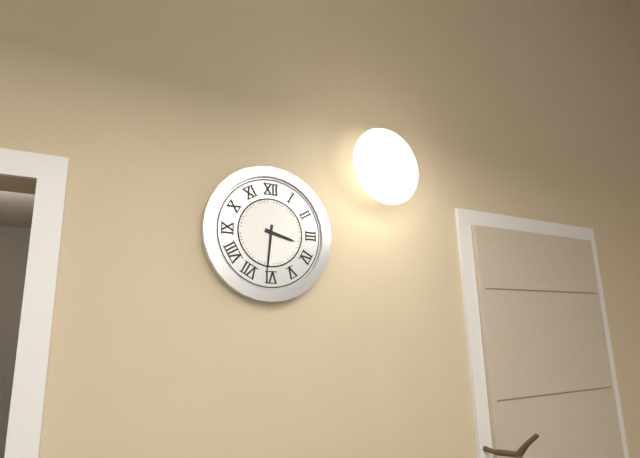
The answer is **3:31**
